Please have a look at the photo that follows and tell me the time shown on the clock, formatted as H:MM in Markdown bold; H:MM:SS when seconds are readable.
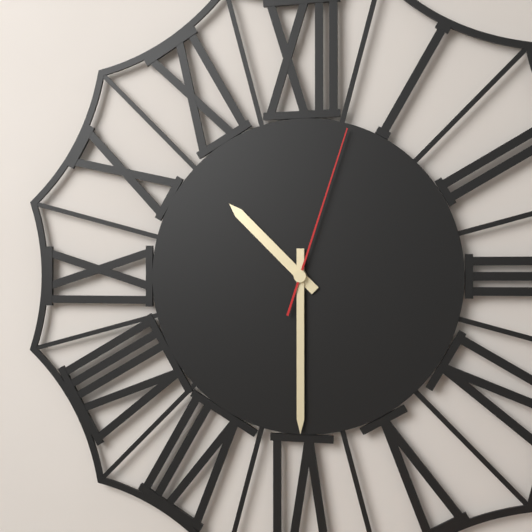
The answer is **10:30:03**
